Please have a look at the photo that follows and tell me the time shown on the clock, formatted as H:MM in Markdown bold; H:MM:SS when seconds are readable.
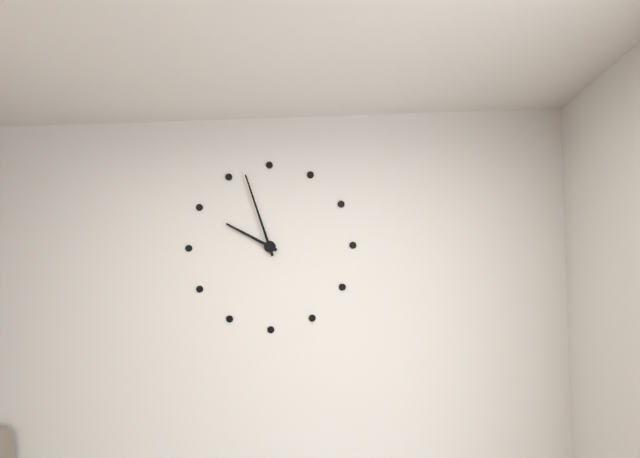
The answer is **9:57**
